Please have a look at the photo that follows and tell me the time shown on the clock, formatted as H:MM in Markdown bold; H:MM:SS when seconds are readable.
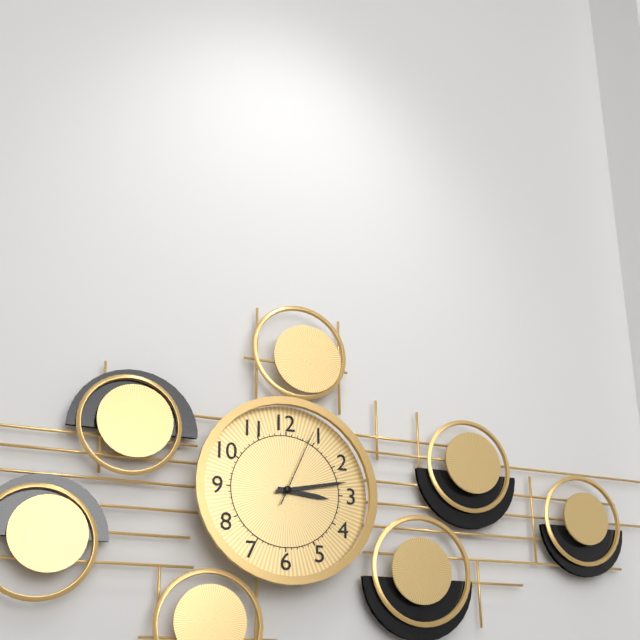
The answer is **3:13:04**
